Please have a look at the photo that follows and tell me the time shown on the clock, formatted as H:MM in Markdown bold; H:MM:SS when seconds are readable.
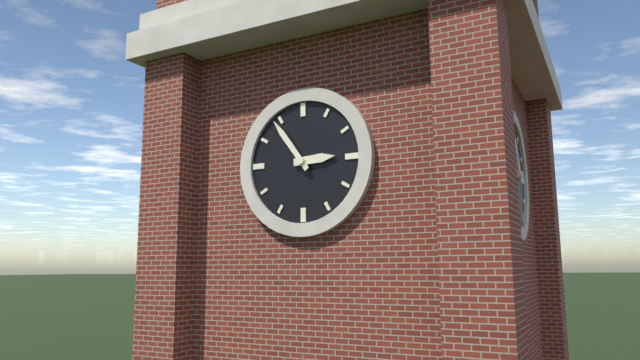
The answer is **2:54**
